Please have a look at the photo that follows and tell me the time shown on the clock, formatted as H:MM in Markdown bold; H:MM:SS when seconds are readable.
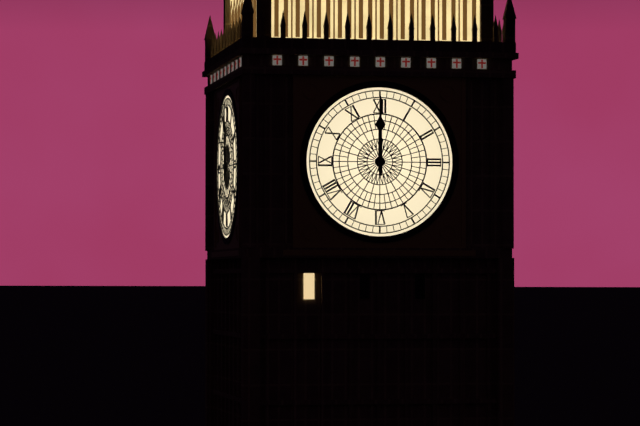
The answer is **12:00**
